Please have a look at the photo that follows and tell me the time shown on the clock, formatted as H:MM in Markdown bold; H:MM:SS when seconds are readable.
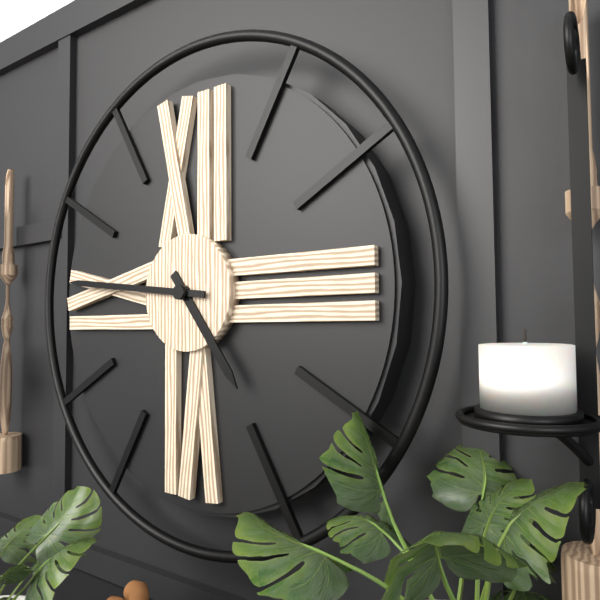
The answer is **4:46**
